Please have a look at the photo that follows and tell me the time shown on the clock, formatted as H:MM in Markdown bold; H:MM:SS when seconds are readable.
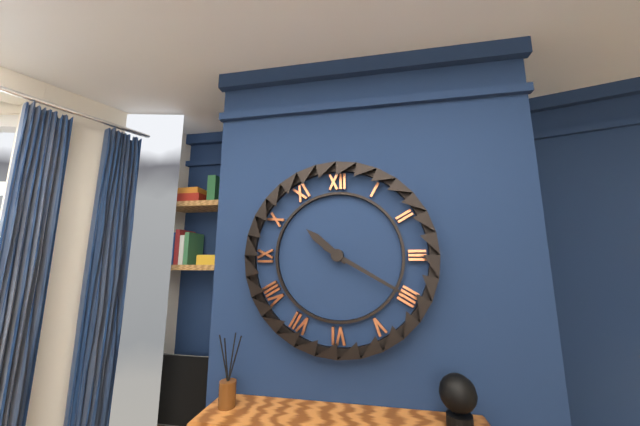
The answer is **10:20**
